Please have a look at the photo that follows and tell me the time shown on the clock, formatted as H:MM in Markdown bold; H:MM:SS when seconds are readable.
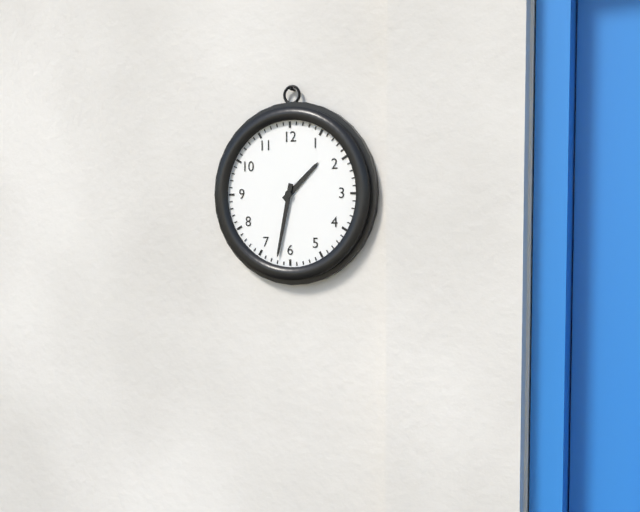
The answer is **1:32**
